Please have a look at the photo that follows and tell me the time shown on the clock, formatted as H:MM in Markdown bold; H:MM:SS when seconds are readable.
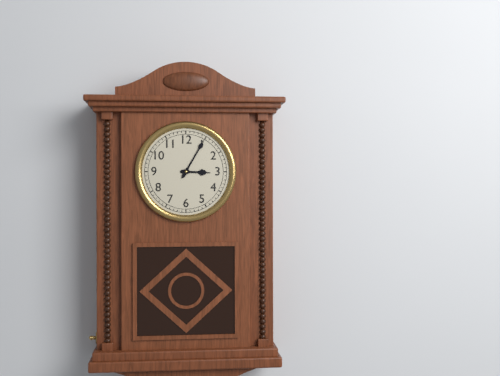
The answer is **3:05**
